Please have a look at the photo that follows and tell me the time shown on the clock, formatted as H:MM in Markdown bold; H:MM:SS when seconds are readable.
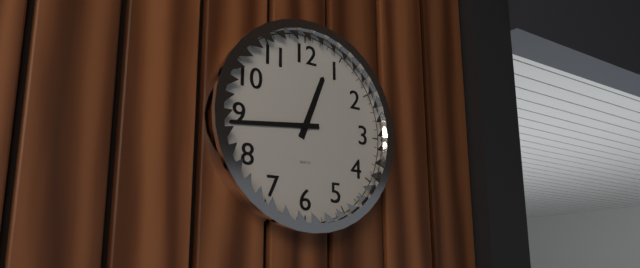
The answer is **12:44**
